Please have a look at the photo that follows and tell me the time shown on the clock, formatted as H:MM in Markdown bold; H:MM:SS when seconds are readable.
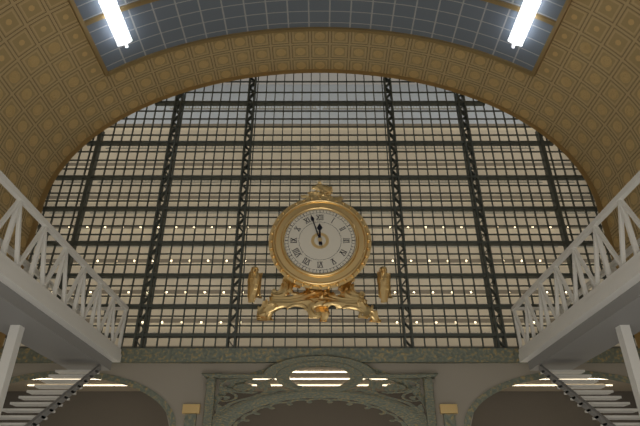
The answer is **11:57**
